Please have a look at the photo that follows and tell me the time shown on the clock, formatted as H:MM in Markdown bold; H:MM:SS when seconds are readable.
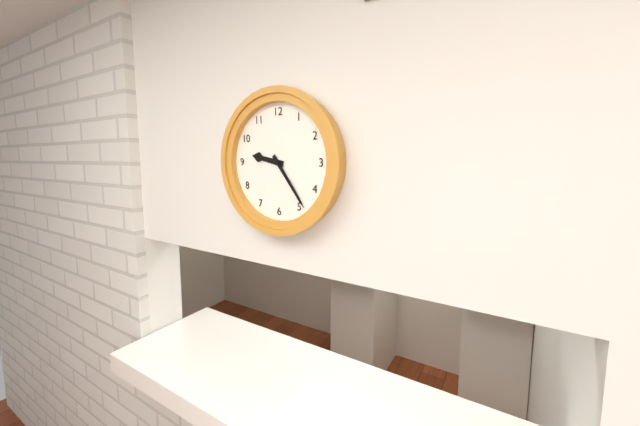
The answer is **9:24**
